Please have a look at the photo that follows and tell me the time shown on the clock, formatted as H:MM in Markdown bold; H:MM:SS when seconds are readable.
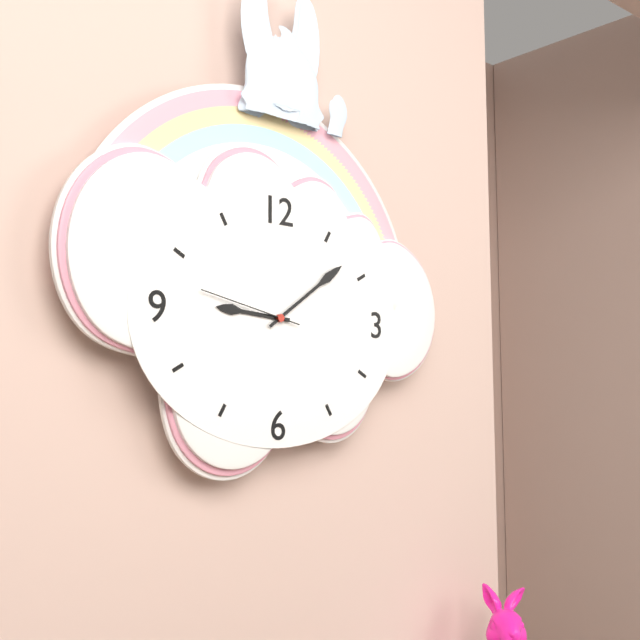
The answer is **9:09:47**
